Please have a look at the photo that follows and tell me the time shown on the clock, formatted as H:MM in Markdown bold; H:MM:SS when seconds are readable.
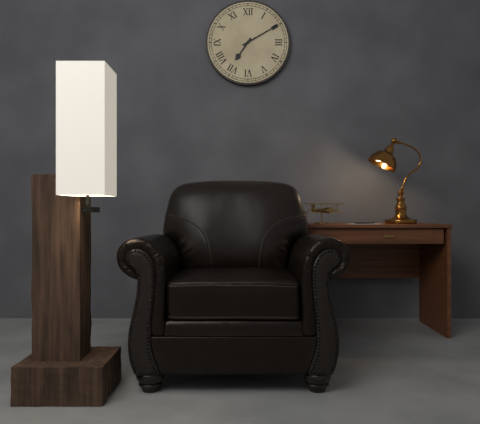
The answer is **7:10**
